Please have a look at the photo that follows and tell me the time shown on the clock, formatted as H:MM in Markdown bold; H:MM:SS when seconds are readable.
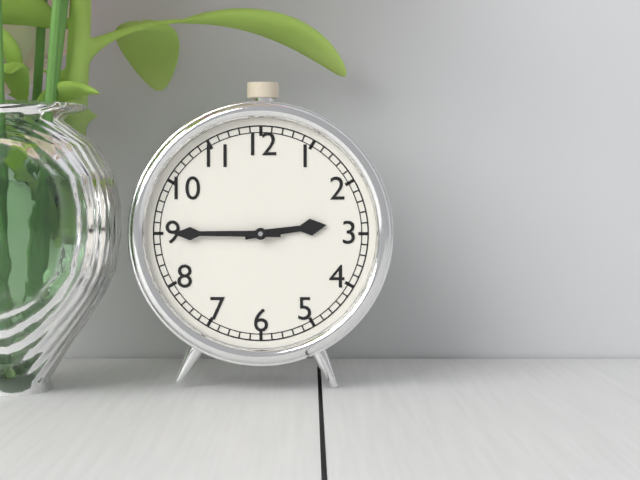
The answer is **2:45**
